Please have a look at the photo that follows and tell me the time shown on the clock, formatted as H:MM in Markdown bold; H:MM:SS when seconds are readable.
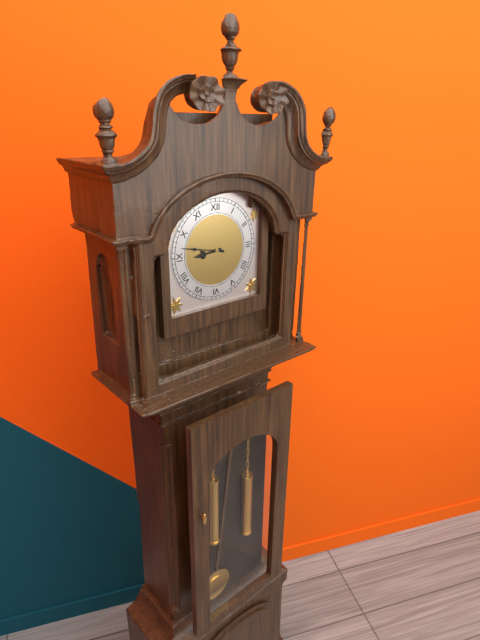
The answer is **8:47**
